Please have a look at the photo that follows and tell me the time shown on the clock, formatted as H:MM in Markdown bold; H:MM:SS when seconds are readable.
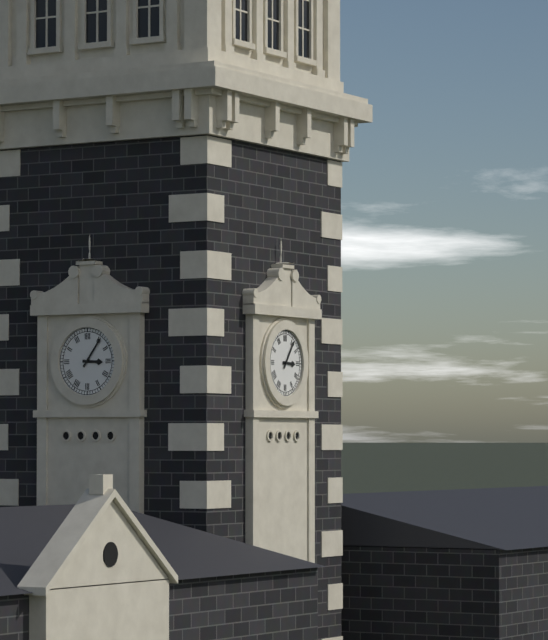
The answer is **3:06**
